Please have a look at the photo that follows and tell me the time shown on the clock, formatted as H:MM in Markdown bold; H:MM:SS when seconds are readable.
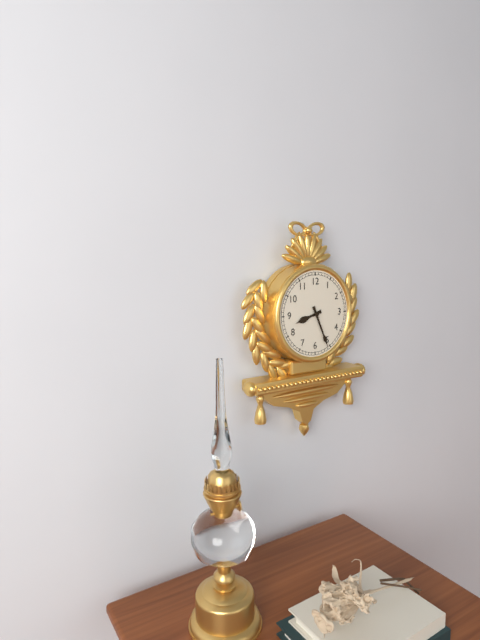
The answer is **8:26**
